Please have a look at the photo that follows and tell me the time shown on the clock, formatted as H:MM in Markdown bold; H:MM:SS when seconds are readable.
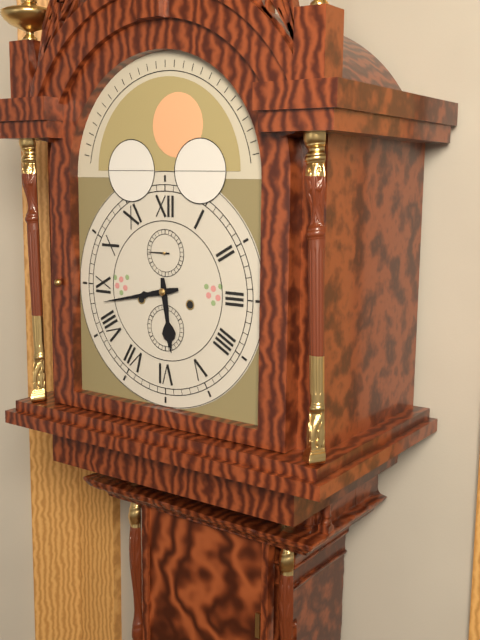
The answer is **5:43**
